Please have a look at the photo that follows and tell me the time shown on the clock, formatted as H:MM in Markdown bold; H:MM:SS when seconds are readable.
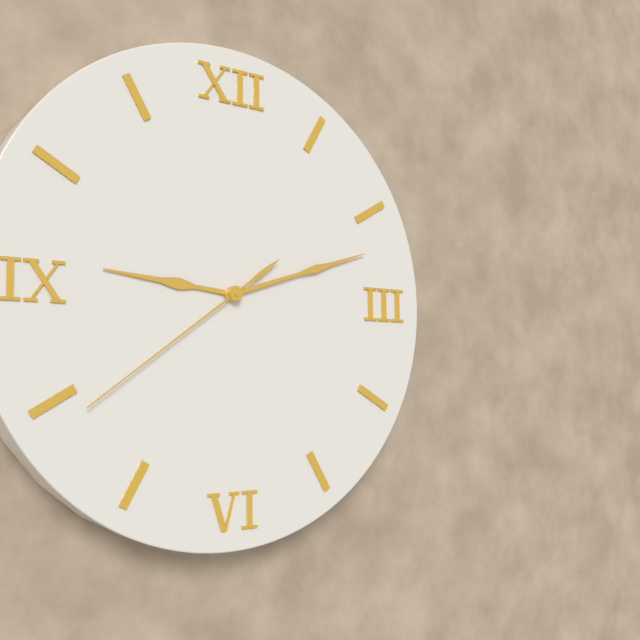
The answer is **9:12:39**
